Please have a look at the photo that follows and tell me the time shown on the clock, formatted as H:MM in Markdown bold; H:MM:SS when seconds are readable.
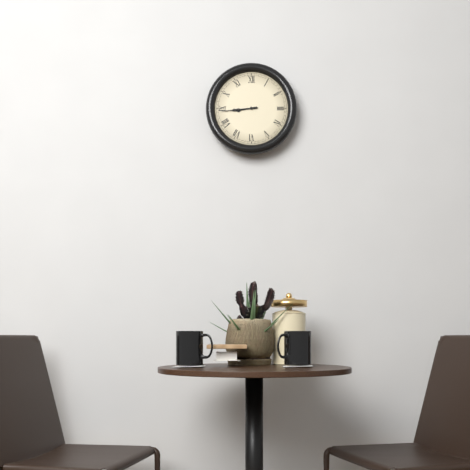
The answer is **8:44**
